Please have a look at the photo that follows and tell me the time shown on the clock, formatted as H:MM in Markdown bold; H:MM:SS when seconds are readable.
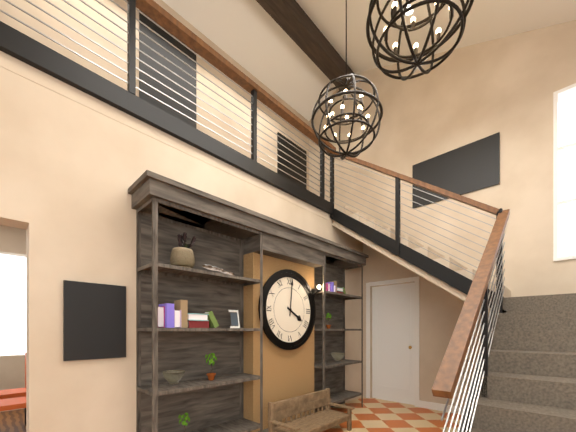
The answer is **4:01**
